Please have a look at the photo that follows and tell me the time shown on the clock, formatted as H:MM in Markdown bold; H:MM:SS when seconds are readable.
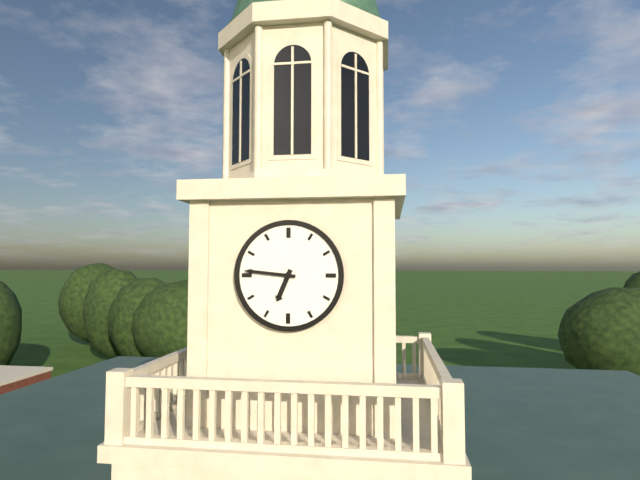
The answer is **6:46**
